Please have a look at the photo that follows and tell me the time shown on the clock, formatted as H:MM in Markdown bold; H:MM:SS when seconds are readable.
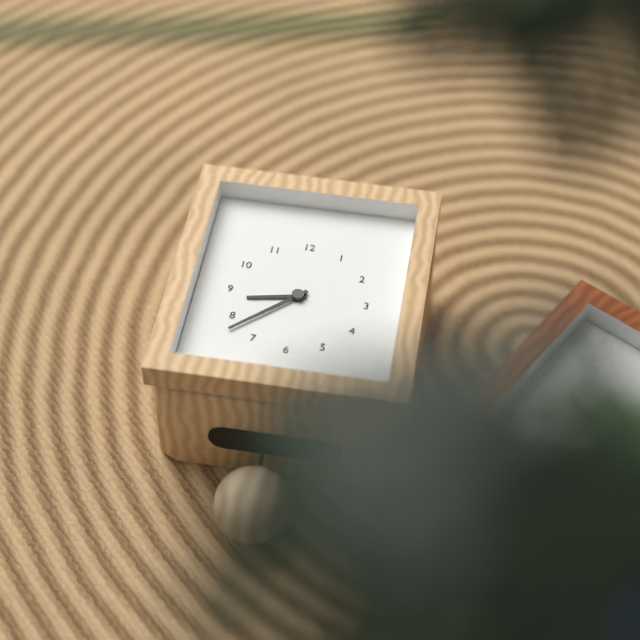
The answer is **8:38**
